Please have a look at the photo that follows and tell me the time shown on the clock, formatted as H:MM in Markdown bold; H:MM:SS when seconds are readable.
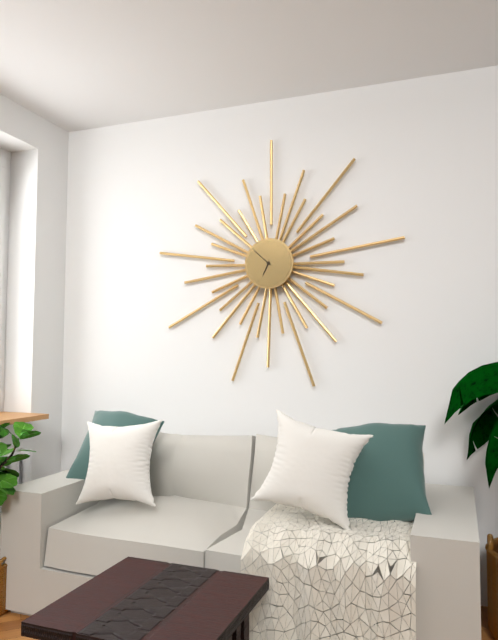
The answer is **6:52**
